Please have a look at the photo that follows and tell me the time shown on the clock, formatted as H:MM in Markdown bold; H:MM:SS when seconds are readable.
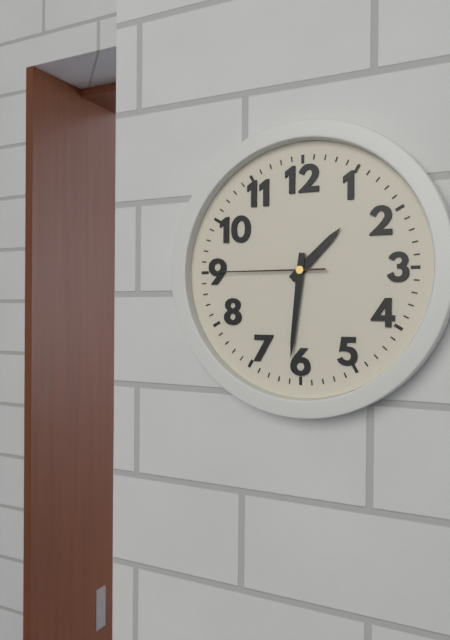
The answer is **1:31:45**
